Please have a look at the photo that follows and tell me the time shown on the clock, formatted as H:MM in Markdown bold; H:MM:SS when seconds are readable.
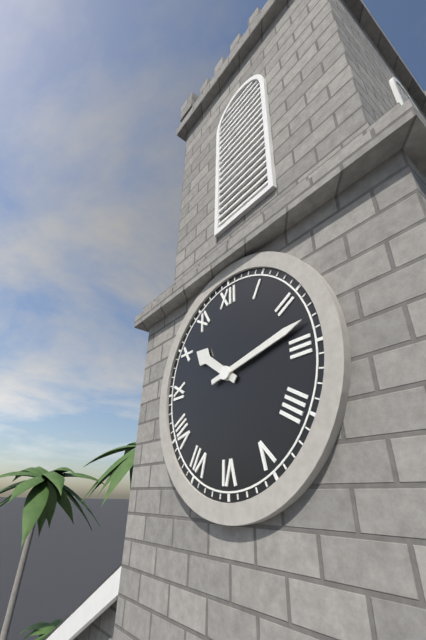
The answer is **10:13**
